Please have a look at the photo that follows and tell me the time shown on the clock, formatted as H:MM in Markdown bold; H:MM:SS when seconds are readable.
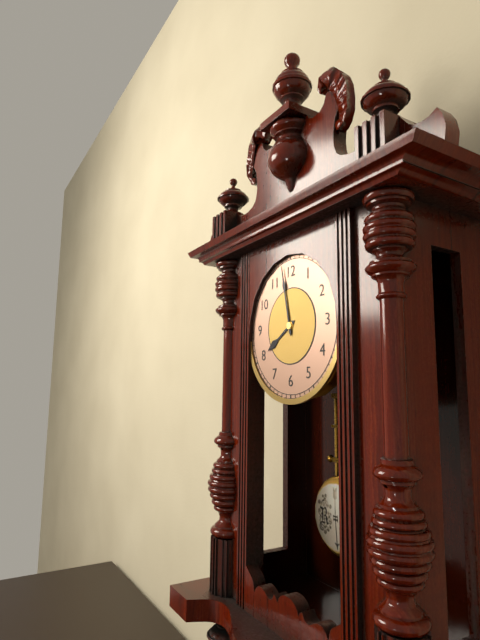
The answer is **7:58**
